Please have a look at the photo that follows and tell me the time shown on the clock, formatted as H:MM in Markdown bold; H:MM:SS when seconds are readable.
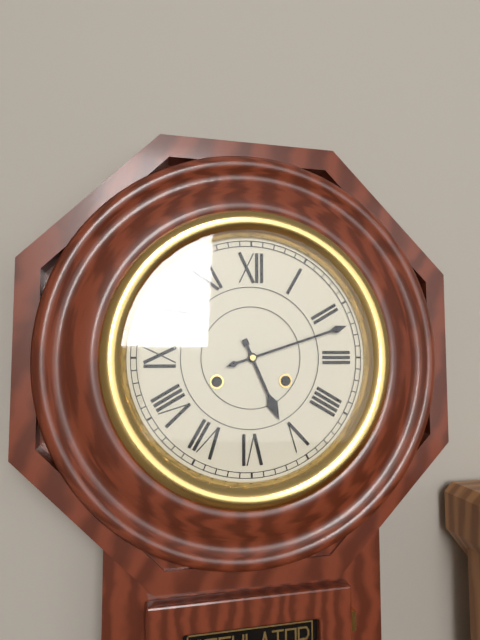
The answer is **5:12**
